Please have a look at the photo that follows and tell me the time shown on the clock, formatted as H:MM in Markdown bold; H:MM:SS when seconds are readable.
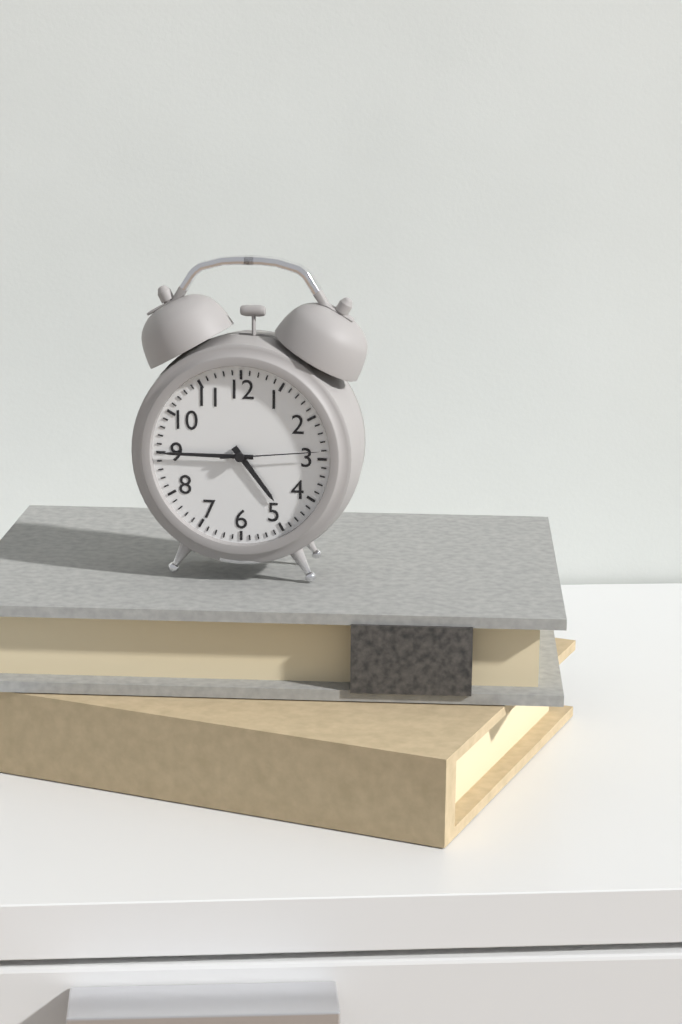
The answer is **4:45:14**
